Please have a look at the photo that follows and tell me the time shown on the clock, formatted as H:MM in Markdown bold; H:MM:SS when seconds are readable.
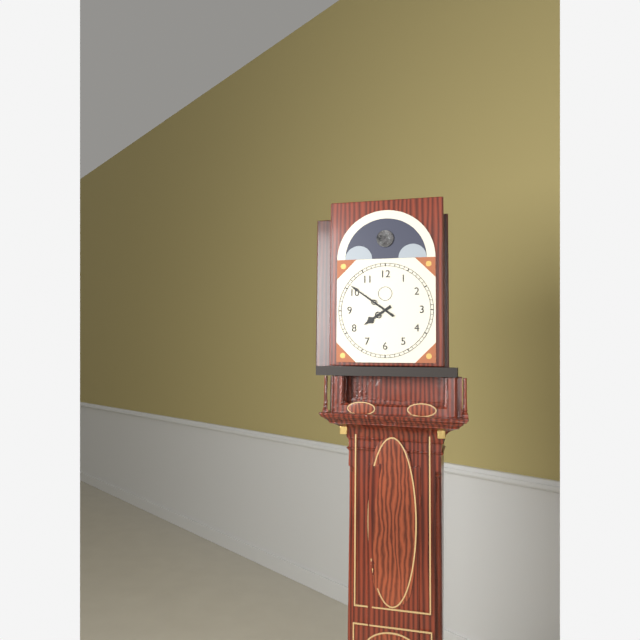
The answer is **7:51**
